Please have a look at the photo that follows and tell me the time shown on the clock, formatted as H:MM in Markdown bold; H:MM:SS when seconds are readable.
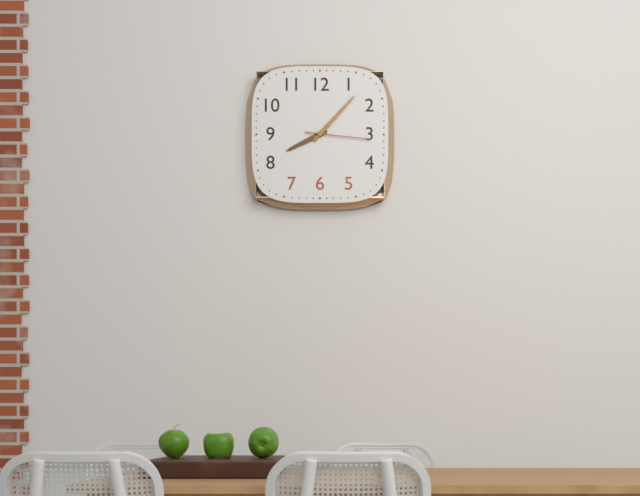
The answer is **8:07:16**
